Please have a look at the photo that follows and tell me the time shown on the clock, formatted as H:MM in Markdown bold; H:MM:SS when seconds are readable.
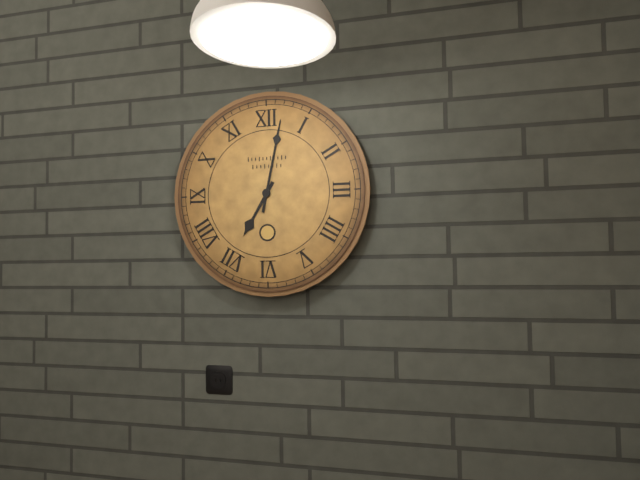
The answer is **7:02**
